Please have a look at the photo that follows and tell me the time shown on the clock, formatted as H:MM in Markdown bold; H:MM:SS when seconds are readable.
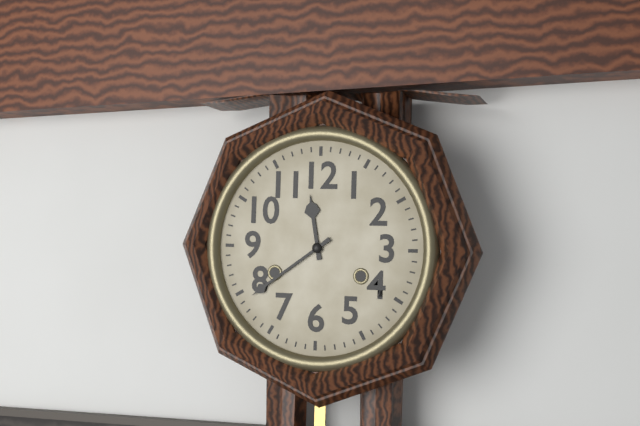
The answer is **11:39**
